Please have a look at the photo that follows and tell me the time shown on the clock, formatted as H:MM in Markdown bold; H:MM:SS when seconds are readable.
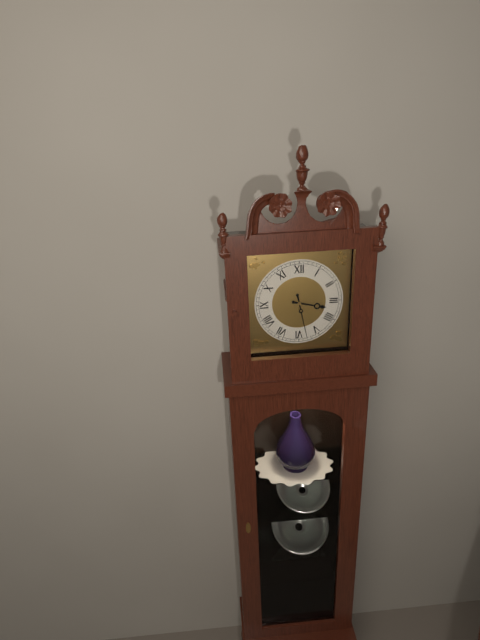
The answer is **3:28**
